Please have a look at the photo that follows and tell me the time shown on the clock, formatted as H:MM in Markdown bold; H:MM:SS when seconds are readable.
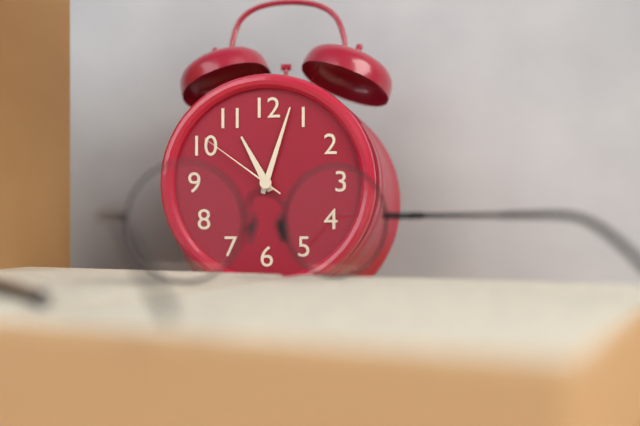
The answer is **11:03:51**
